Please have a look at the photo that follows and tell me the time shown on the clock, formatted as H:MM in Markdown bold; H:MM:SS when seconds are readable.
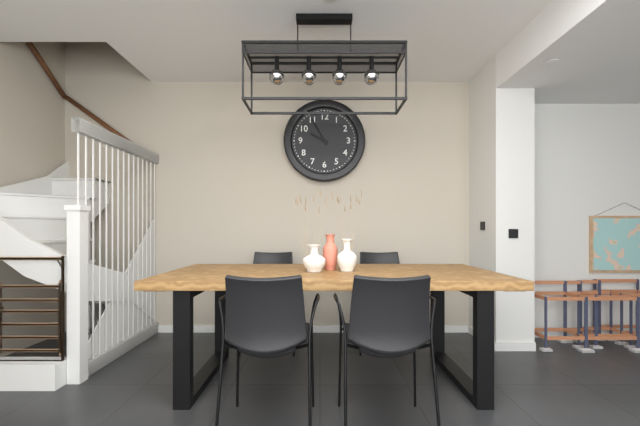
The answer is **9:55**
